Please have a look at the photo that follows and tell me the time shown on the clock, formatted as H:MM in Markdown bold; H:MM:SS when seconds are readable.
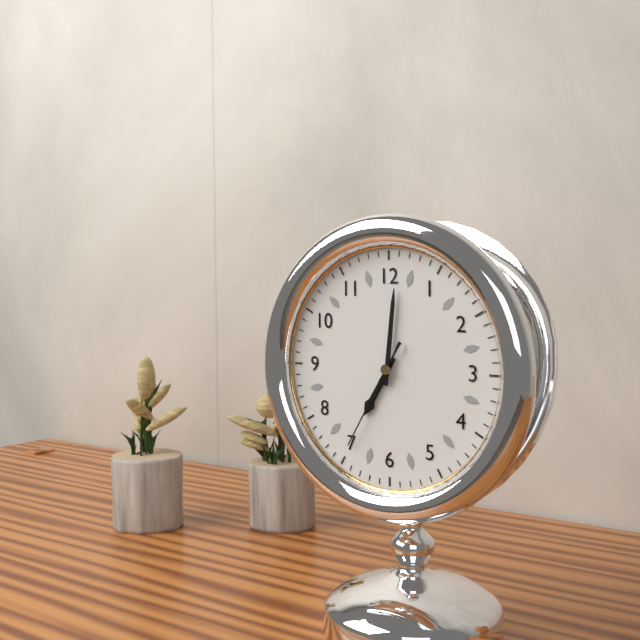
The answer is **7:01:35**
